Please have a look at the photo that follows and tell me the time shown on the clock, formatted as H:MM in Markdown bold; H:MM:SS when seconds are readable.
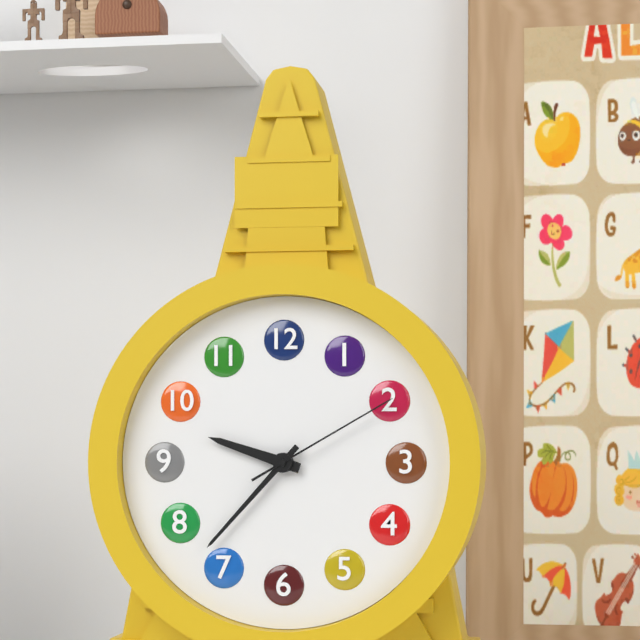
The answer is **9:37:10**
